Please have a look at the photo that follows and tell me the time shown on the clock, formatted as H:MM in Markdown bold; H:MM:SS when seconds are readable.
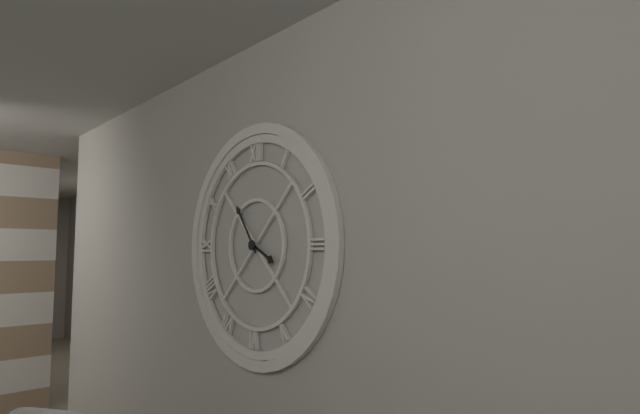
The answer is **3:54**
